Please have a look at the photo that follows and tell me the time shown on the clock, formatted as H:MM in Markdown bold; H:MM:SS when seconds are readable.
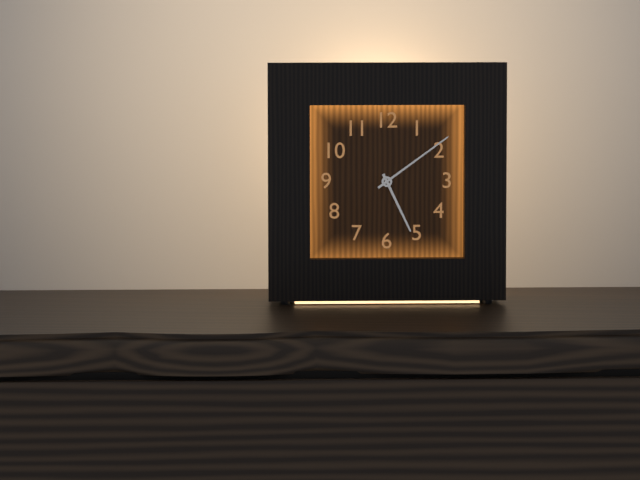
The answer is **5:09**
